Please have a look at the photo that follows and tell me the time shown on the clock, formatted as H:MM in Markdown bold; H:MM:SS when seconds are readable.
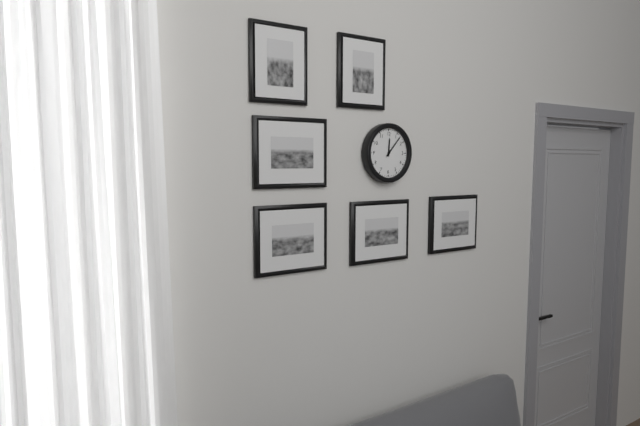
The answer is **12:07**
